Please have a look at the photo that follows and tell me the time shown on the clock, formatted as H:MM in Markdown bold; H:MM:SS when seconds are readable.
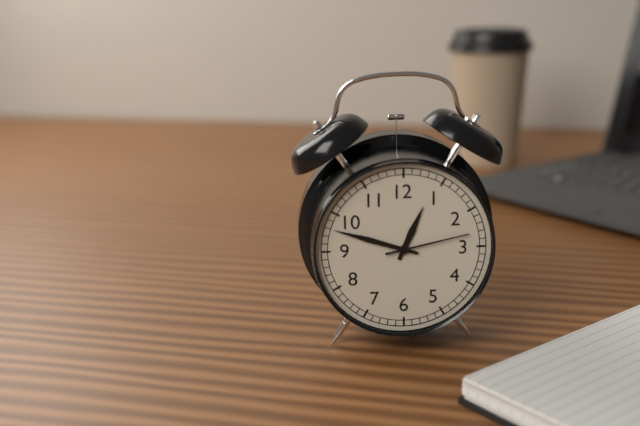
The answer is **12:48:13**
